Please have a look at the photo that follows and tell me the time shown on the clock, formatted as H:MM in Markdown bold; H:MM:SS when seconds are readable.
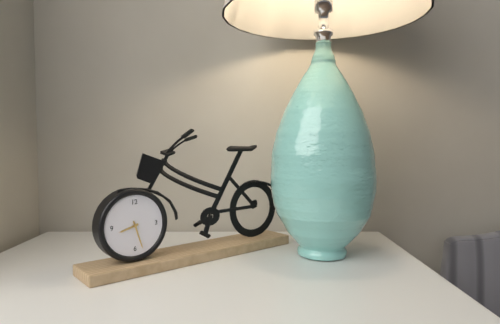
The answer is **8:27**
